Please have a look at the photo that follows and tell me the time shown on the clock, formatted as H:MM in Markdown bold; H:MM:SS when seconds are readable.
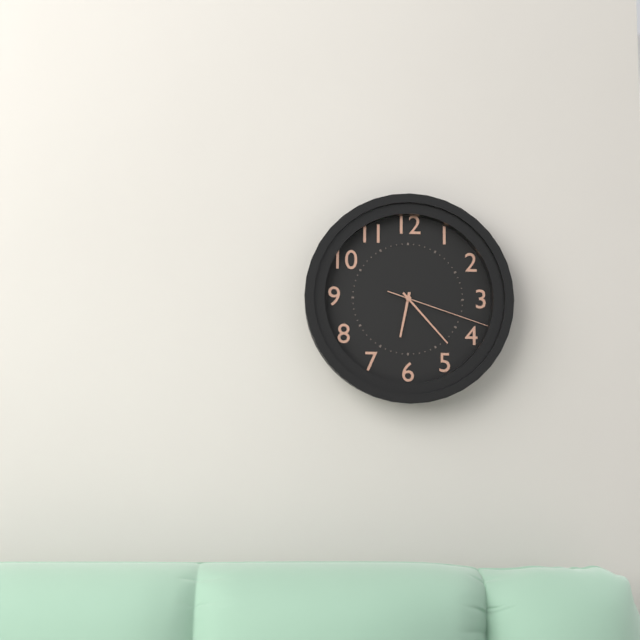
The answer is **6:23:18**
